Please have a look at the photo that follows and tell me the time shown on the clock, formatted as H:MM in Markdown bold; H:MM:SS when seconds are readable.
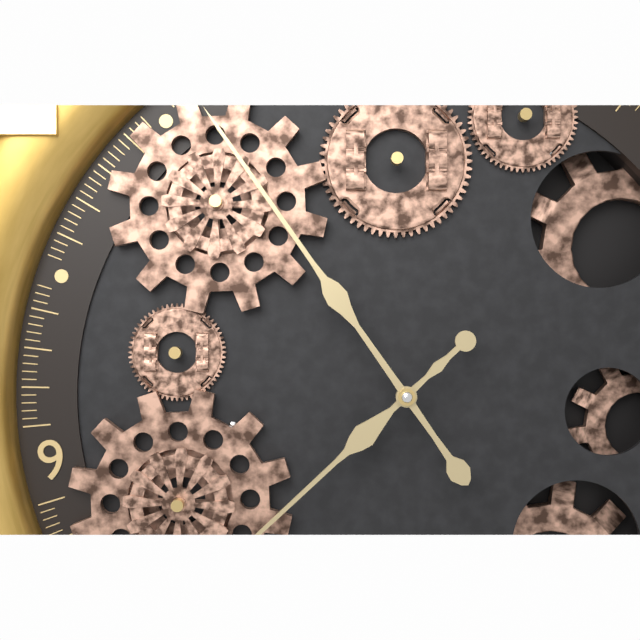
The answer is **7:56**
